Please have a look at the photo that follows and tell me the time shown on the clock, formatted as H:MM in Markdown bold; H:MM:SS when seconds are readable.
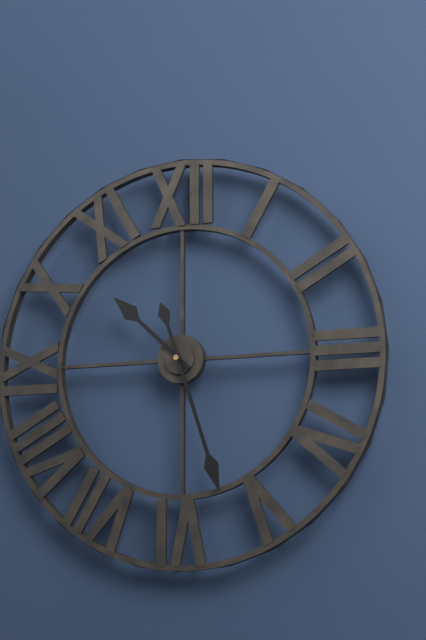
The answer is **10:27**
